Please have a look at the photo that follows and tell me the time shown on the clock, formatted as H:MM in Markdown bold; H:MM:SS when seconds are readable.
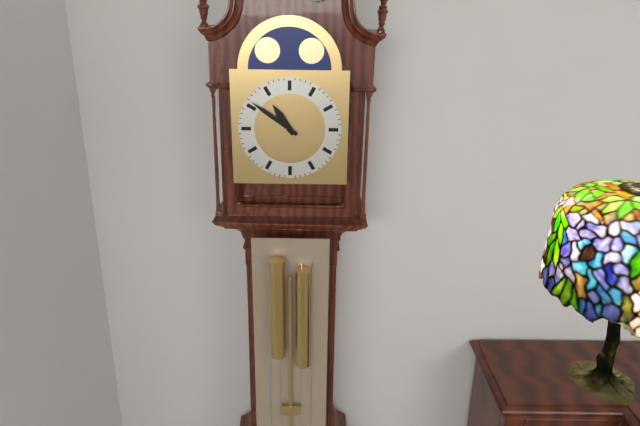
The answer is **10:51**
